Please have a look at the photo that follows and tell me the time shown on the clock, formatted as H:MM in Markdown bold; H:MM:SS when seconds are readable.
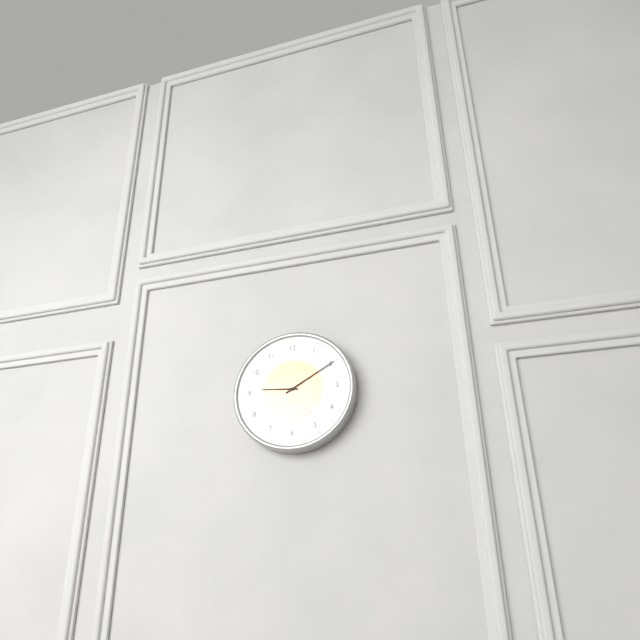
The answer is **9:10**
